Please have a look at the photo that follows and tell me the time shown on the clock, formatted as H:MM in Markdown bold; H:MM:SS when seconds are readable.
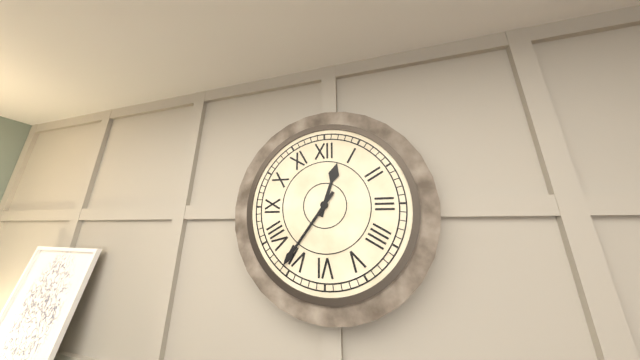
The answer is **12:36**
